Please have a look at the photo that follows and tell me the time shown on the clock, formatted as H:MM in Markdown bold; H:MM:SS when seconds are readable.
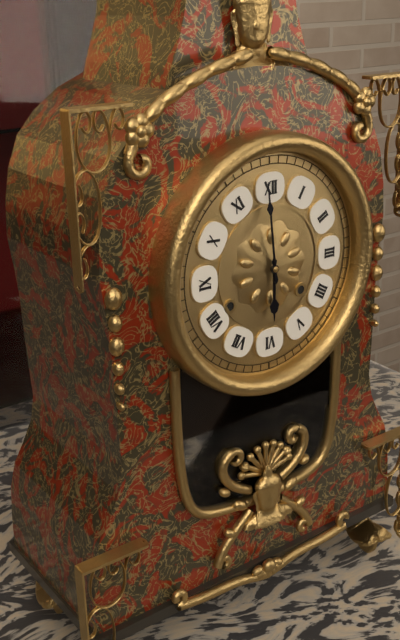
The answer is **5:59**
